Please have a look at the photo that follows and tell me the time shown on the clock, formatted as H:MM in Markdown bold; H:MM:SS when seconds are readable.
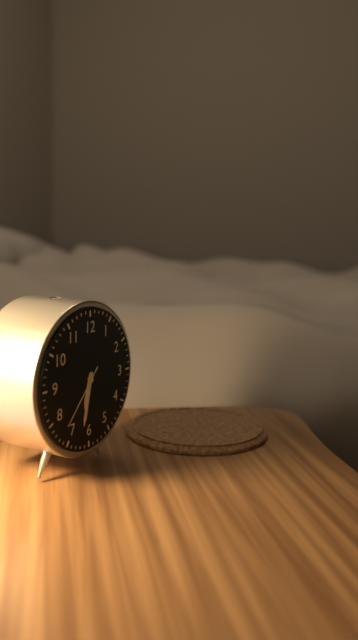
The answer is **6:32:37**
